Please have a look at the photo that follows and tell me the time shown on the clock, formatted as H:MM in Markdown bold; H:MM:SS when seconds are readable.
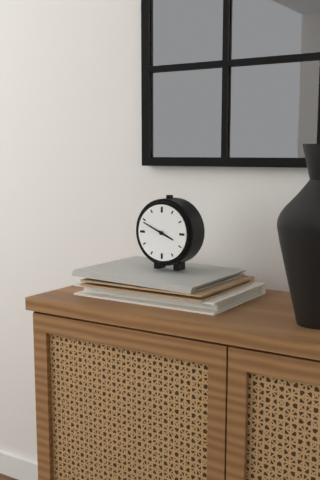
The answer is **3:49**
